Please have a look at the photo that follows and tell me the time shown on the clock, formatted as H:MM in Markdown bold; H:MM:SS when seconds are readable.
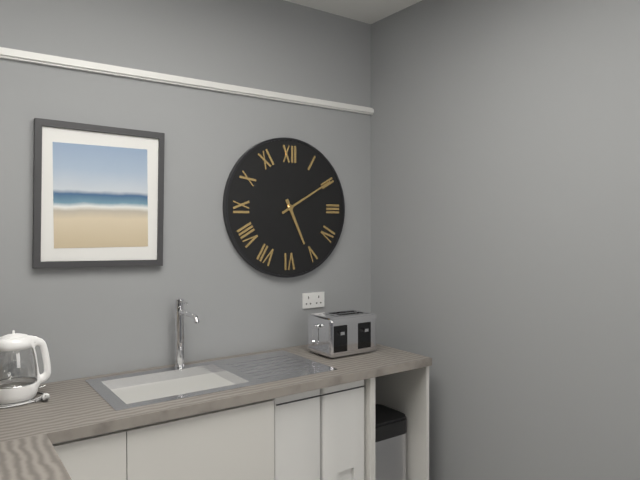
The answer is **5:10**
